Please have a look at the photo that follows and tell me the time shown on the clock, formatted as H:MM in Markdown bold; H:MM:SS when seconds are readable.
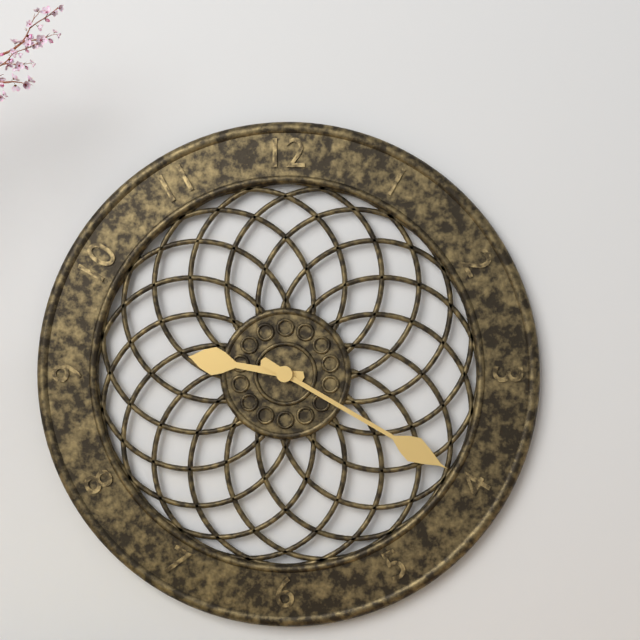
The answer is **9:20**
